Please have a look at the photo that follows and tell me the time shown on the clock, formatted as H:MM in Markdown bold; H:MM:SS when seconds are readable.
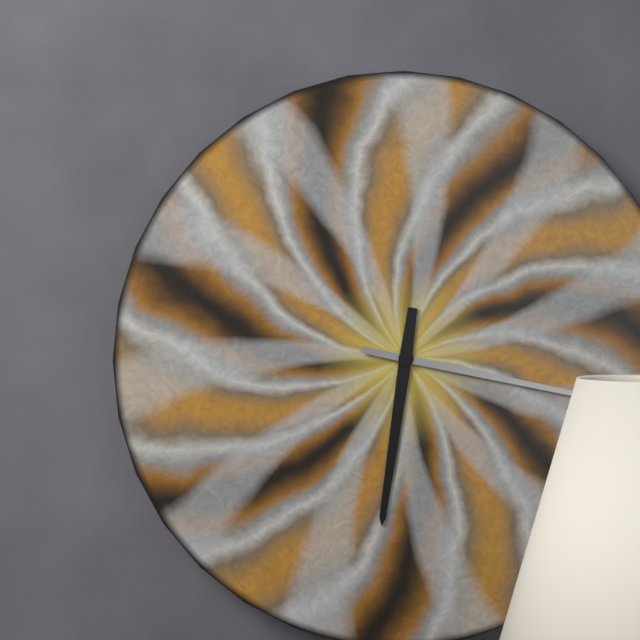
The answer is **6:17**
